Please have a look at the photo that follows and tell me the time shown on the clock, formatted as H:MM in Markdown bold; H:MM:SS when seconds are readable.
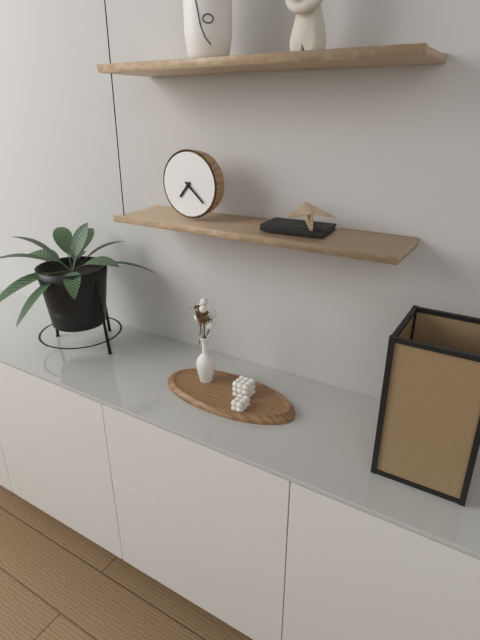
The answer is **7:22**
